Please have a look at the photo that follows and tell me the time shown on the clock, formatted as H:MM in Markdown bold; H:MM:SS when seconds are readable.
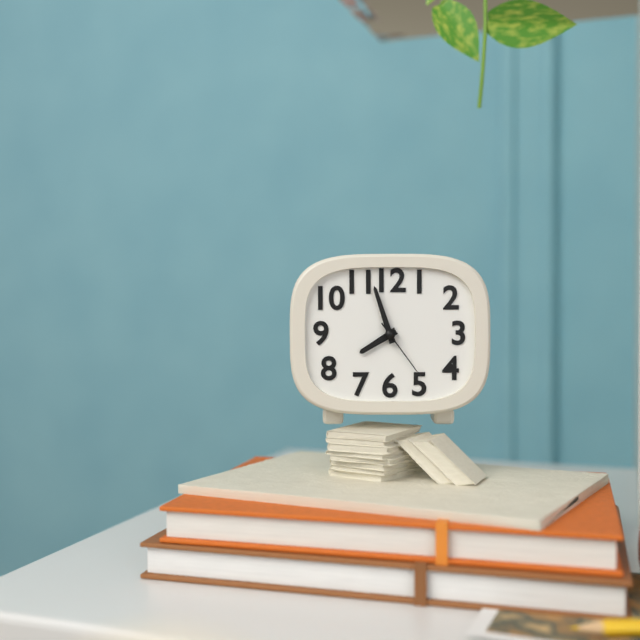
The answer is **7:57:24**
